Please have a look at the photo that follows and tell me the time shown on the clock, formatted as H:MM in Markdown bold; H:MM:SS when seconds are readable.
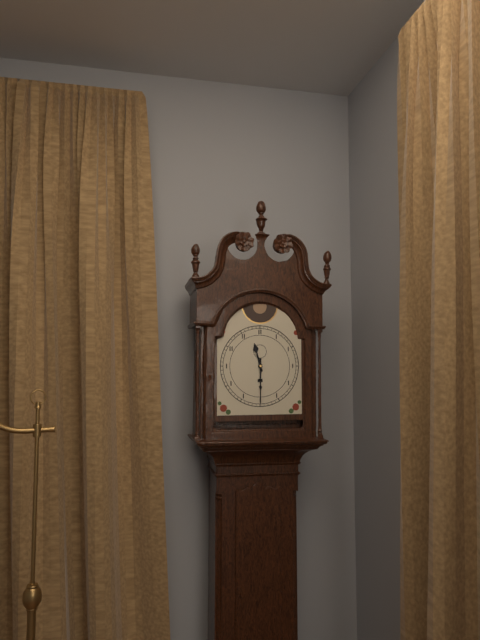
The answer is **11:30**
